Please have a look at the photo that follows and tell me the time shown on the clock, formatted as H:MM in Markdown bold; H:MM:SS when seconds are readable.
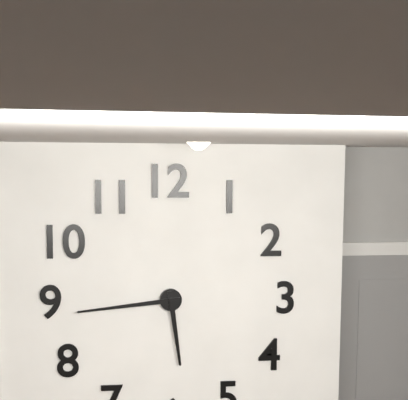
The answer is **5:44**
